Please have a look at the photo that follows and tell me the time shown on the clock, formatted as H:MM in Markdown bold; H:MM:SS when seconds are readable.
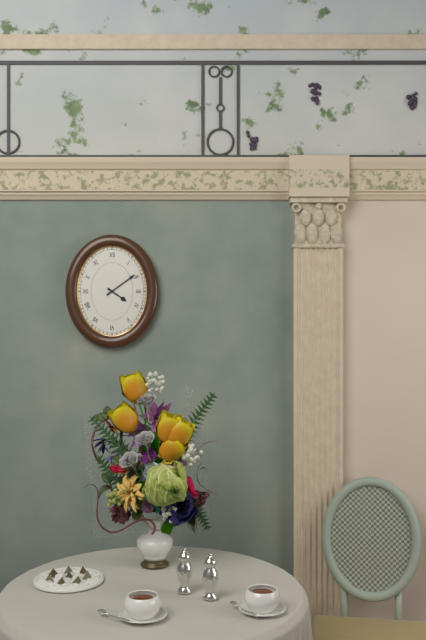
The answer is **4:09**
